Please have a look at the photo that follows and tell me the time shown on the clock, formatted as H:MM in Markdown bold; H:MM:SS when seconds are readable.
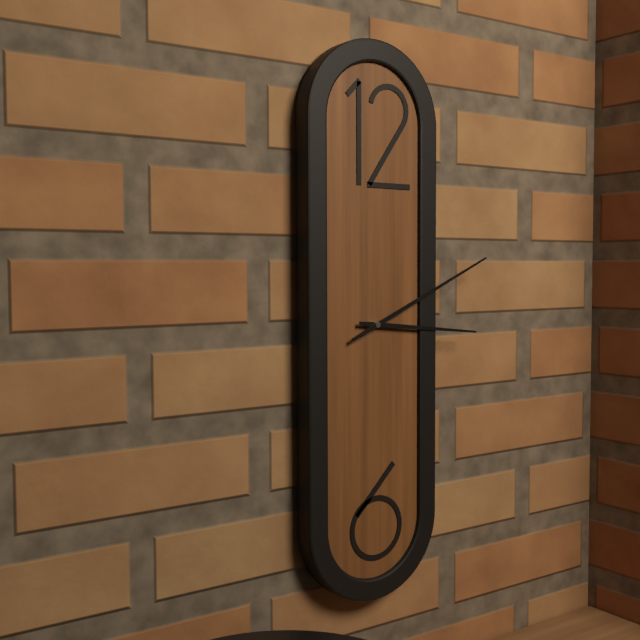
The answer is **3:11**
